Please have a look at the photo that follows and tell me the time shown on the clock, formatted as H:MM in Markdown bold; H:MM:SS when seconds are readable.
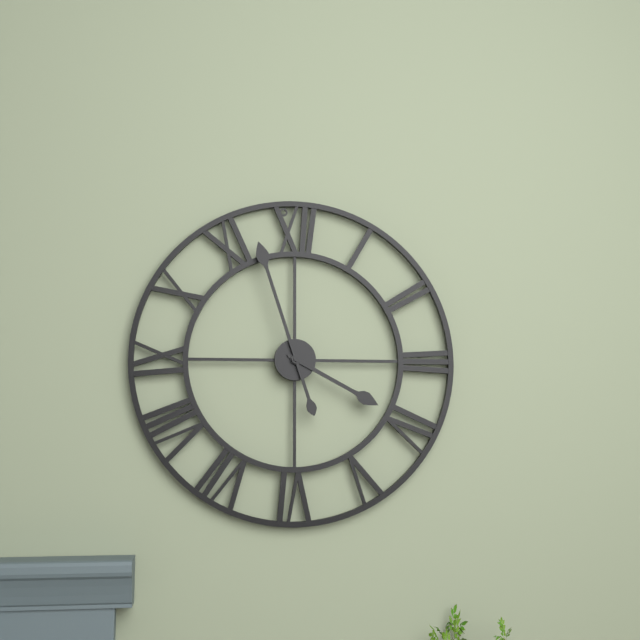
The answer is **3:57**
